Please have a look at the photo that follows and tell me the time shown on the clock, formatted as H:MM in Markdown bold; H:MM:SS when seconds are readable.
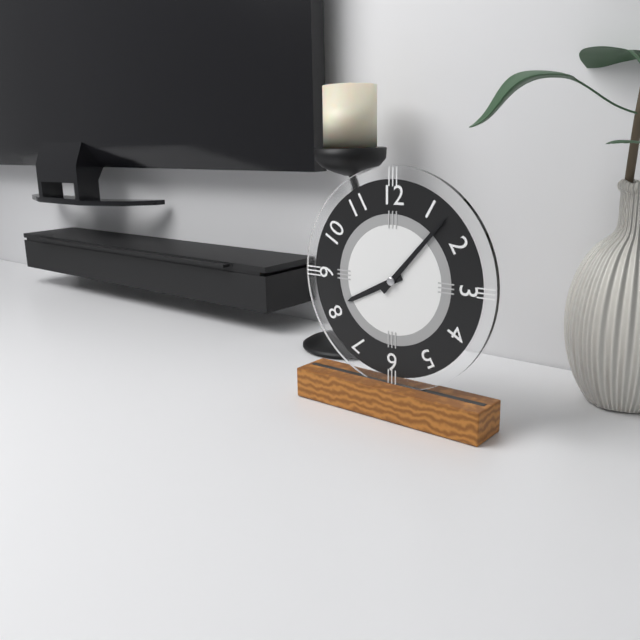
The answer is **8:07**
